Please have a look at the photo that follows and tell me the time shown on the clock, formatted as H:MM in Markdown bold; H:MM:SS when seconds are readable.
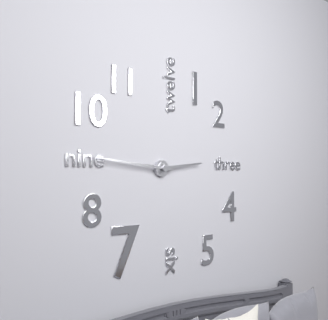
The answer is **2:46**
